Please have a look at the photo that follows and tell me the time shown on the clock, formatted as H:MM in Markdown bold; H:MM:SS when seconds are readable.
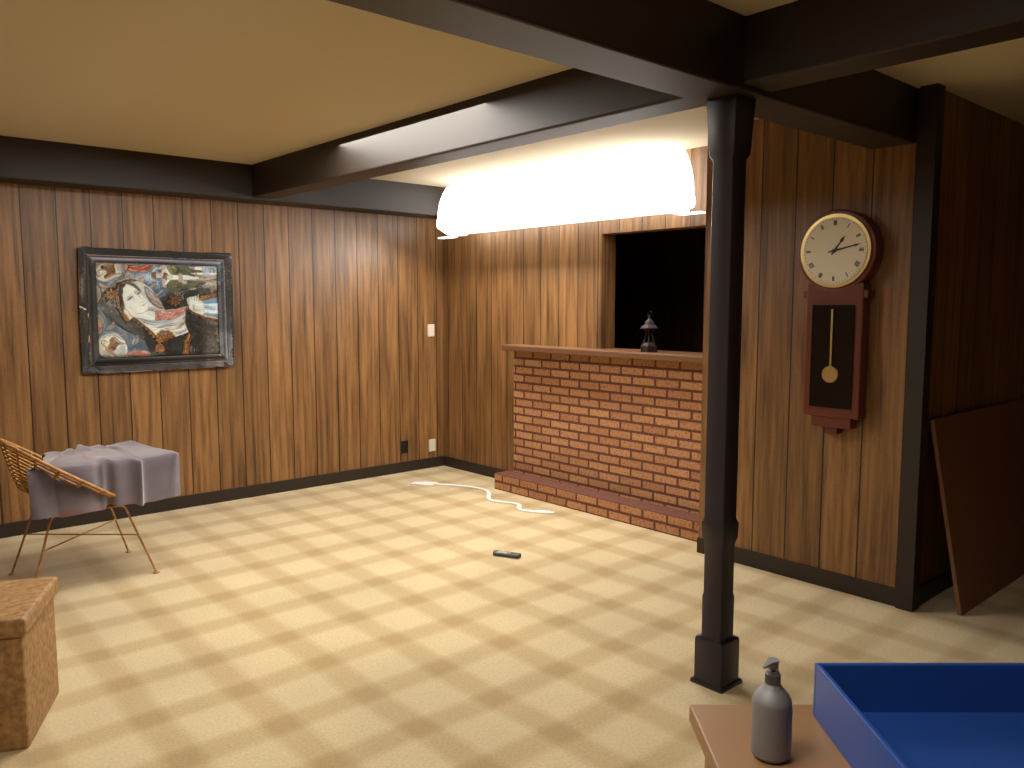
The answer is **1:13**
